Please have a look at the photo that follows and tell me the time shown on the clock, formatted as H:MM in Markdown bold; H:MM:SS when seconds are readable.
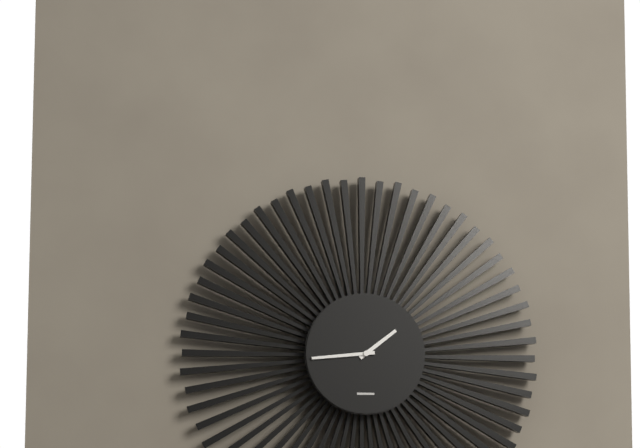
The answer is **1:44**
